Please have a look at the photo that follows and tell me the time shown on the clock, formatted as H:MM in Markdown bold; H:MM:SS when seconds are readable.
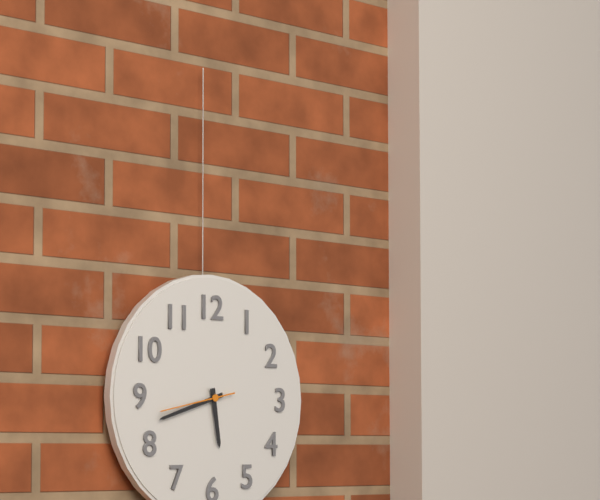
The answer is **5:42:43**
